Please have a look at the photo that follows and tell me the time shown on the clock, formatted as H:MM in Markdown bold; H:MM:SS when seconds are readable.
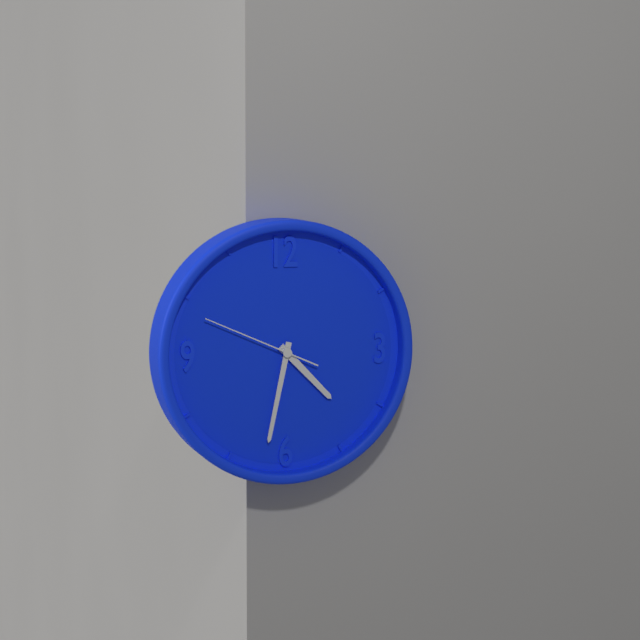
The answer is **4:32:49**
